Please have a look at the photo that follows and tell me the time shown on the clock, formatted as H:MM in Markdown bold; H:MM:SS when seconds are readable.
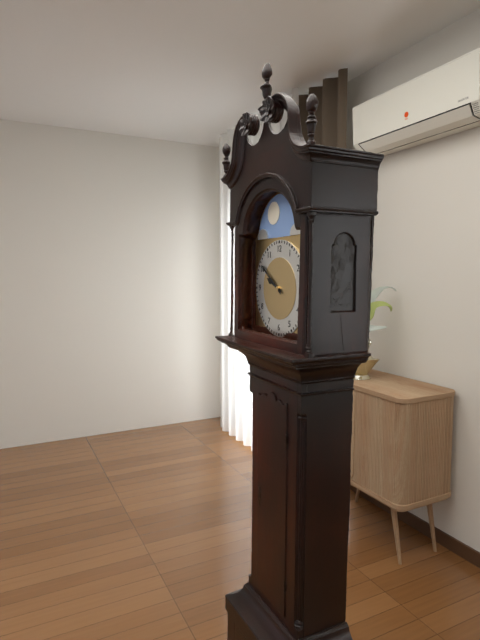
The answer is **9:51**
